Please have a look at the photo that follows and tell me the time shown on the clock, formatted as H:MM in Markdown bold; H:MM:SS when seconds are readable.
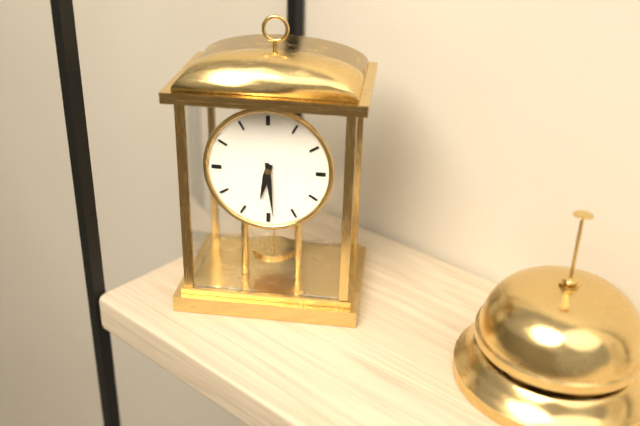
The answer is **6:29**
